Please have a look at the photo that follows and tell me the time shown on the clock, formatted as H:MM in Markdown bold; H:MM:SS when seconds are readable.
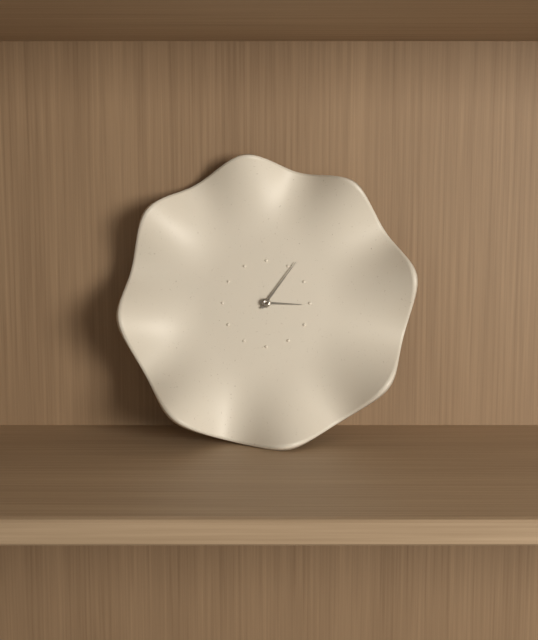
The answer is **3:06**
